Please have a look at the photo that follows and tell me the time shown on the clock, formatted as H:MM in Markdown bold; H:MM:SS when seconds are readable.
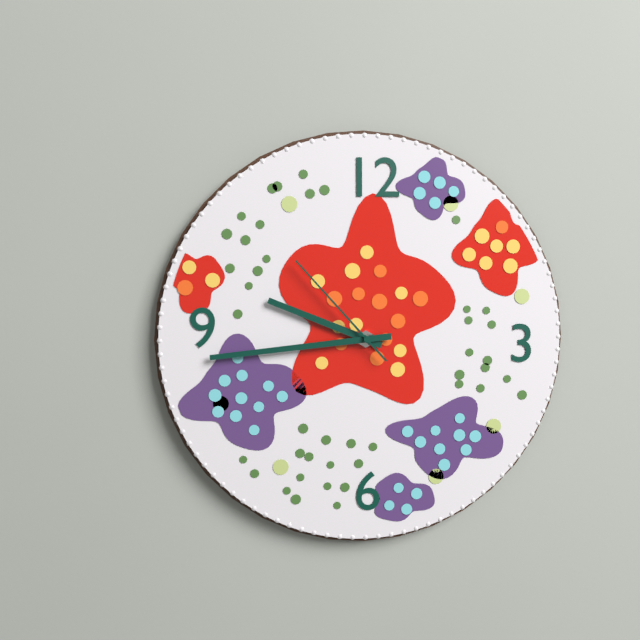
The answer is **9:44:53**
